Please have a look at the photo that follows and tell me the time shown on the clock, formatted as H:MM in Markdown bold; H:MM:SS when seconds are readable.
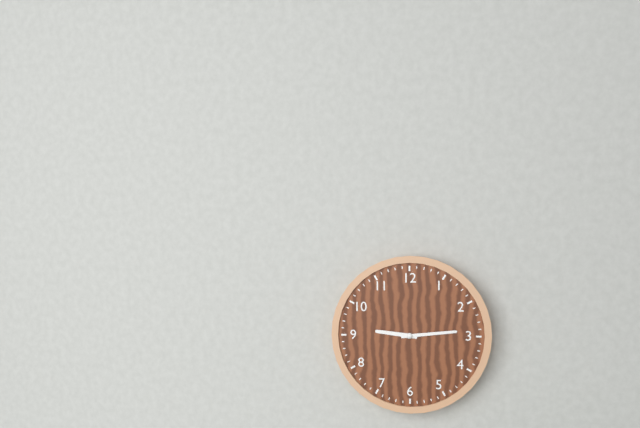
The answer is **9:14**
